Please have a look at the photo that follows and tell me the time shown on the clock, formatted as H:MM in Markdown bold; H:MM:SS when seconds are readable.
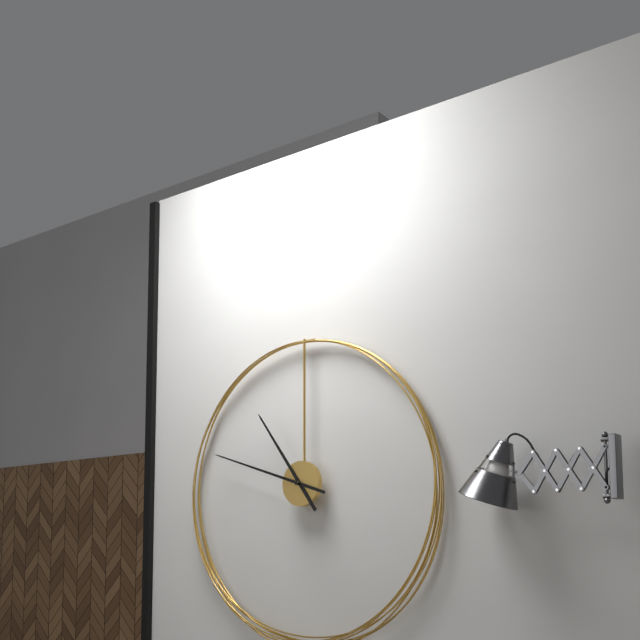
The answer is **10:48**
